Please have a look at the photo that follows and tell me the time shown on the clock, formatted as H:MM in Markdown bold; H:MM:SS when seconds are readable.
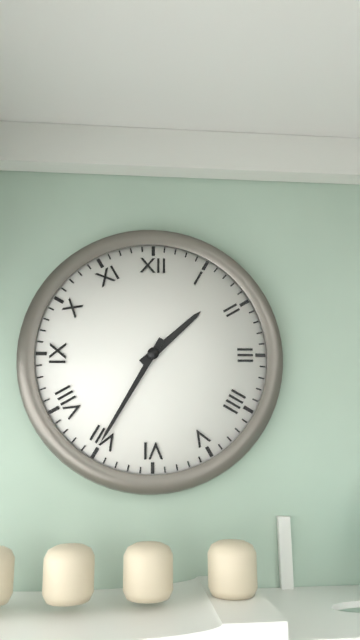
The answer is **1:35**
